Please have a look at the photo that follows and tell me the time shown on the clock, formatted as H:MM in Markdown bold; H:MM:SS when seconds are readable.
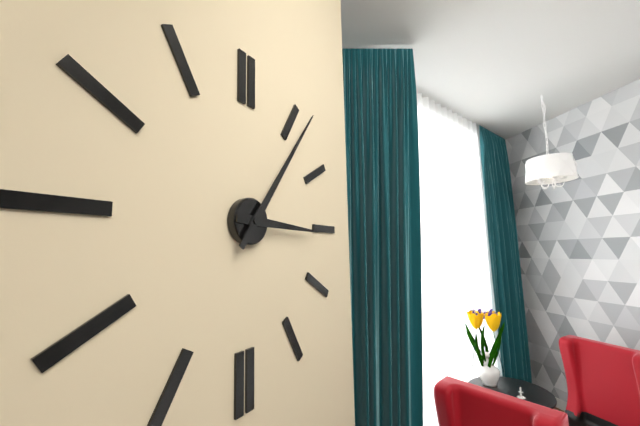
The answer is **3:06**
